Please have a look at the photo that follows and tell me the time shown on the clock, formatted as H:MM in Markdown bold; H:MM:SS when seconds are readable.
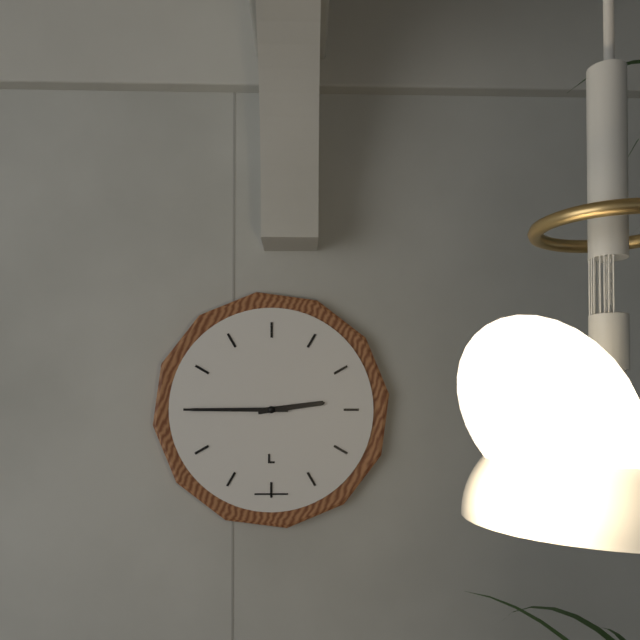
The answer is **2:45**
